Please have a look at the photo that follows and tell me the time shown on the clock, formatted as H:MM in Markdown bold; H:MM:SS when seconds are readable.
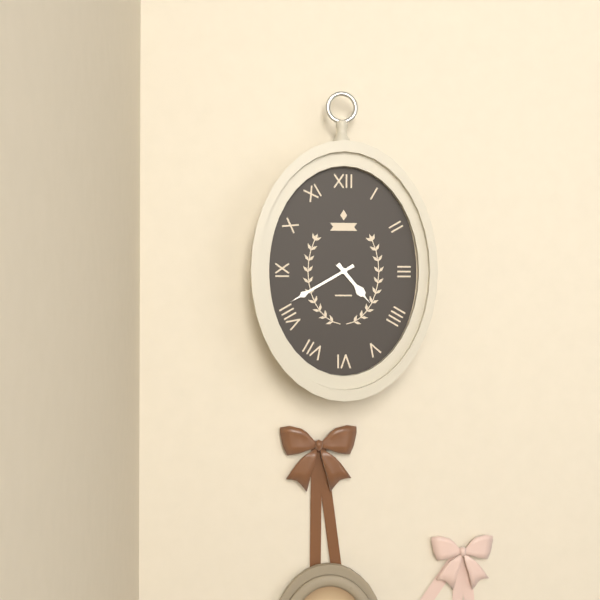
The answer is **4:40**
